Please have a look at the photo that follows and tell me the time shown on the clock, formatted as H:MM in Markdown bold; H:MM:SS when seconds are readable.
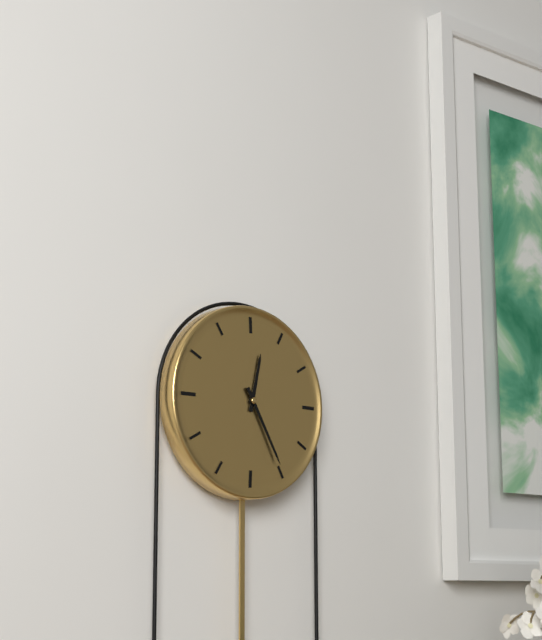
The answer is **12:25**
